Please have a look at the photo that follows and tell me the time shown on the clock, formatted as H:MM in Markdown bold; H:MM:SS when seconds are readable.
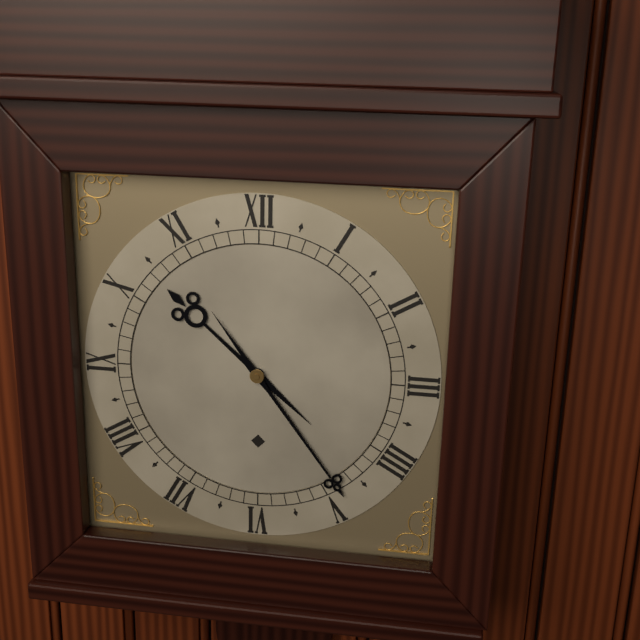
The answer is **10:24**
